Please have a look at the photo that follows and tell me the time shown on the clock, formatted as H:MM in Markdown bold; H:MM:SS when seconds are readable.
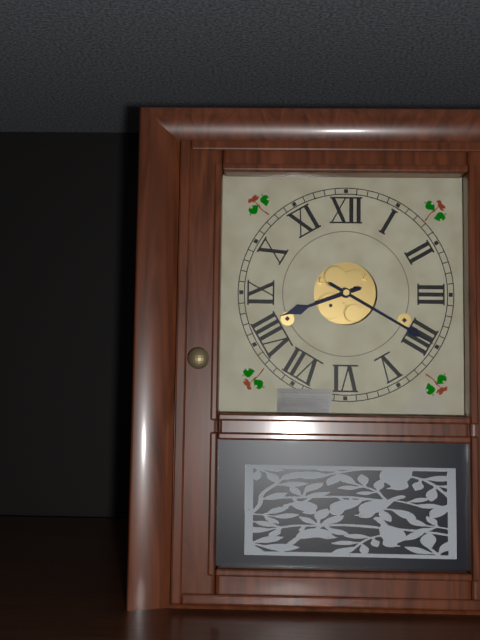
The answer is **8:20**
